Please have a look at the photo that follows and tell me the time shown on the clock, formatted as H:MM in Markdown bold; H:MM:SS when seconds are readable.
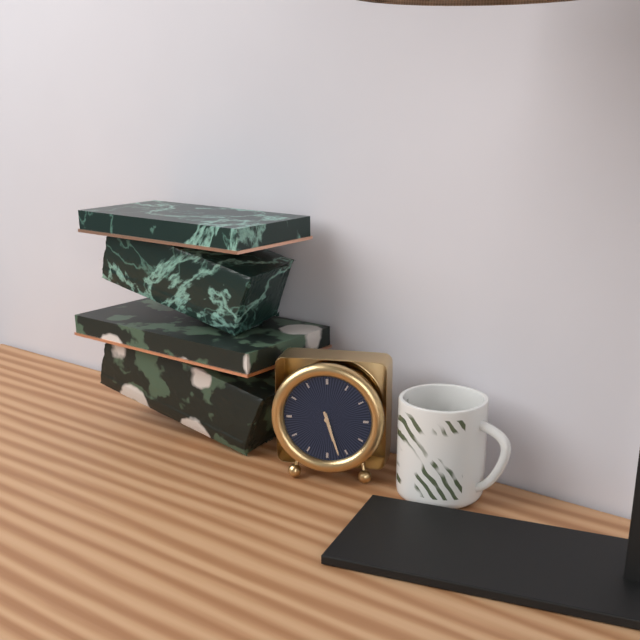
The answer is **5:27**
